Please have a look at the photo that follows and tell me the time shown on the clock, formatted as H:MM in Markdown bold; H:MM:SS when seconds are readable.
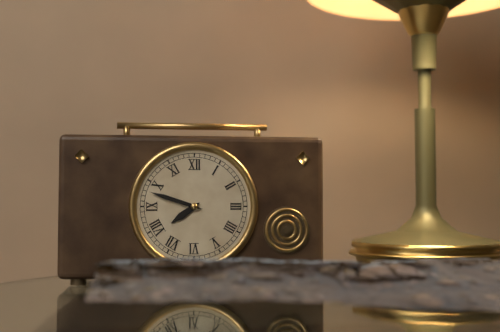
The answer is **7:48**
